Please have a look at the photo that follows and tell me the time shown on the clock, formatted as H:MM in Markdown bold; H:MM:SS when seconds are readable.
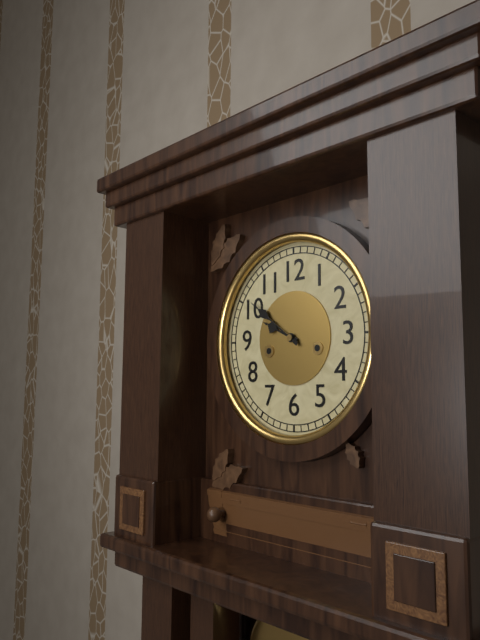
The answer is **9:51**
